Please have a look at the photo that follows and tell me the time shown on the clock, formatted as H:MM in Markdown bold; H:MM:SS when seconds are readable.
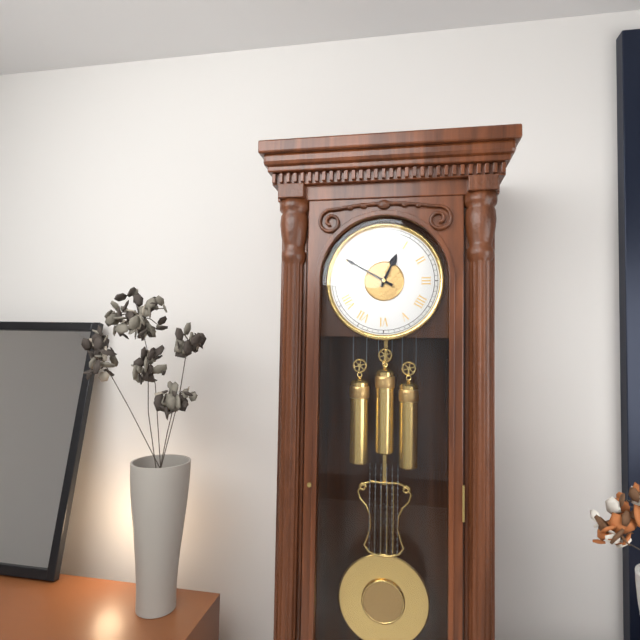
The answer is **12:50**
